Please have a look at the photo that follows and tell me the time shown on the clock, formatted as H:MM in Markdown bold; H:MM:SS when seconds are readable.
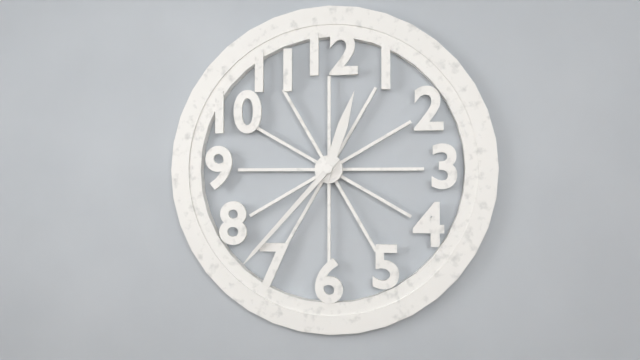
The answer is **12:37**
